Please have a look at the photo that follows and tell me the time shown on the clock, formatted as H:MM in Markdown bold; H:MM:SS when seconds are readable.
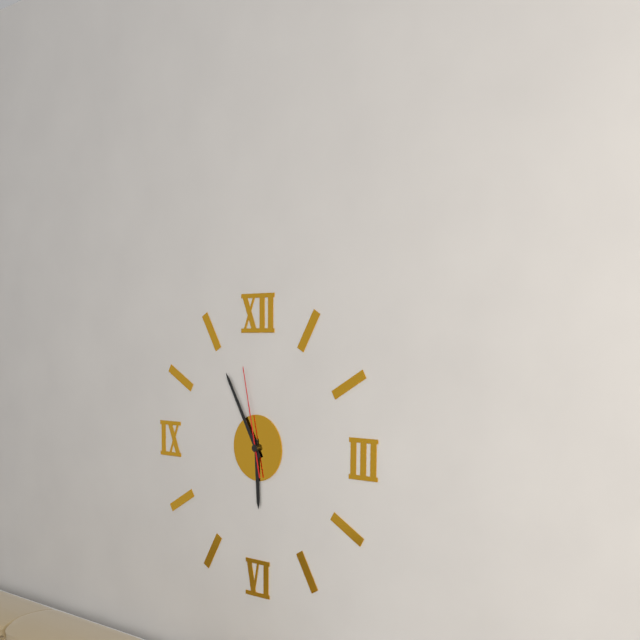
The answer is **5:55:58**
